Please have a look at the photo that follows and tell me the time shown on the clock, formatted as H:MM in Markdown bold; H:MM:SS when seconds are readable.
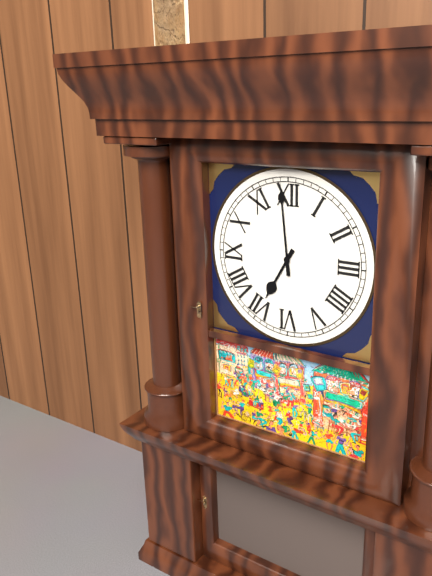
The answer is **6:59**
